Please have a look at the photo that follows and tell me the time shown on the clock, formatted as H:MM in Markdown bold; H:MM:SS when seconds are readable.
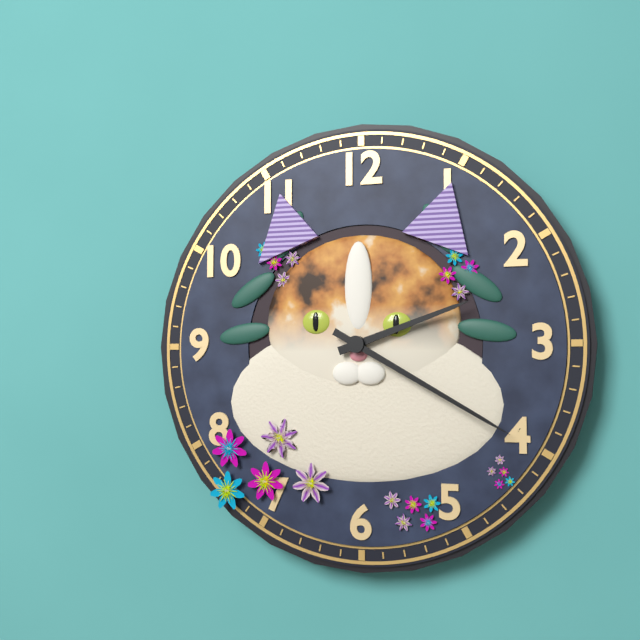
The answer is **2:20**
